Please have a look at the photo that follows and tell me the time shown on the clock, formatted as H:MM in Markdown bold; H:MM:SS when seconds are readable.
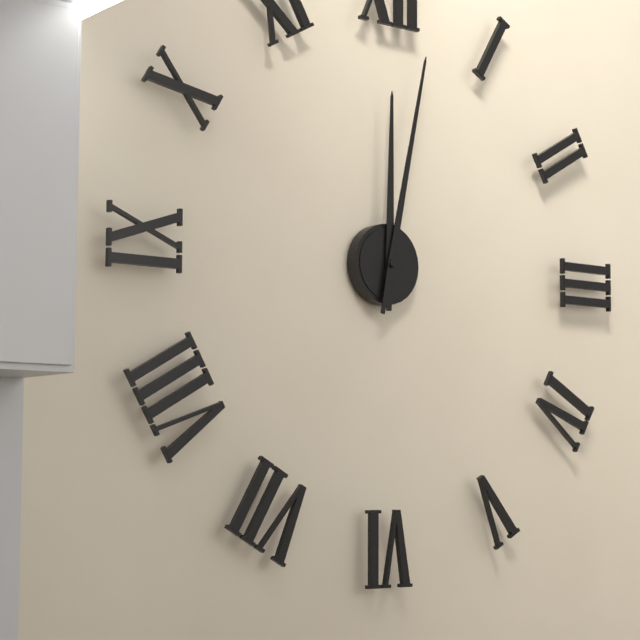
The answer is **12:02**
